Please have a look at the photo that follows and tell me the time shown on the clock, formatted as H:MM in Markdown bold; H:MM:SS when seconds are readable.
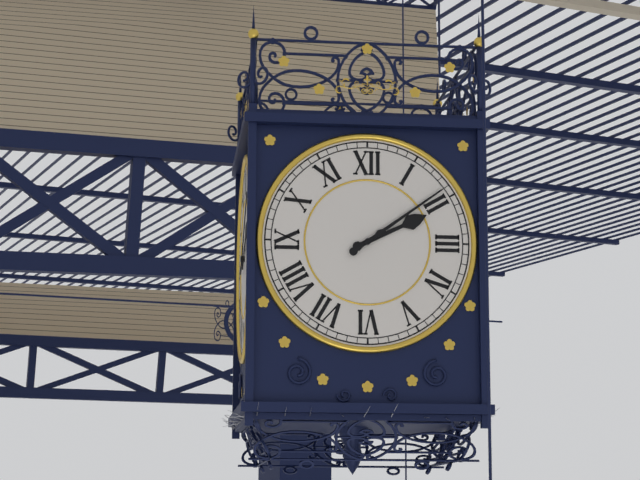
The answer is **2:09**
